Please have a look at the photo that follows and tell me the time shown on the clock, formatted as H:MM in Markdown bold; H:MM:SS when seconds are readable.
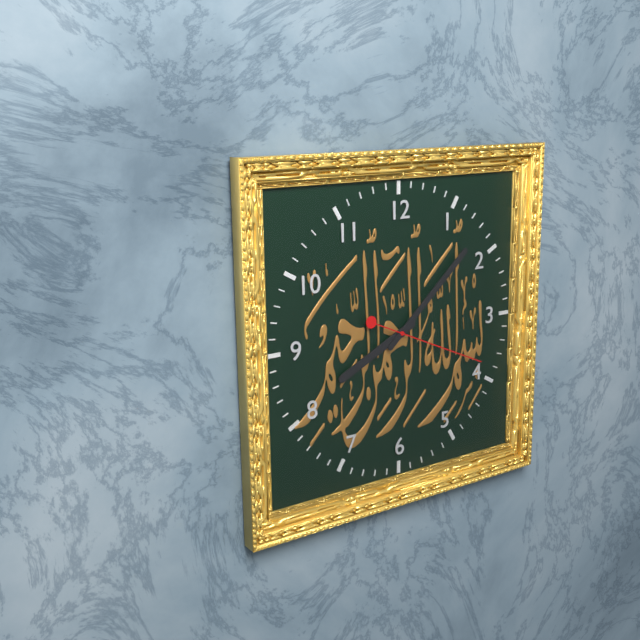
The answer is **8:08:19**
